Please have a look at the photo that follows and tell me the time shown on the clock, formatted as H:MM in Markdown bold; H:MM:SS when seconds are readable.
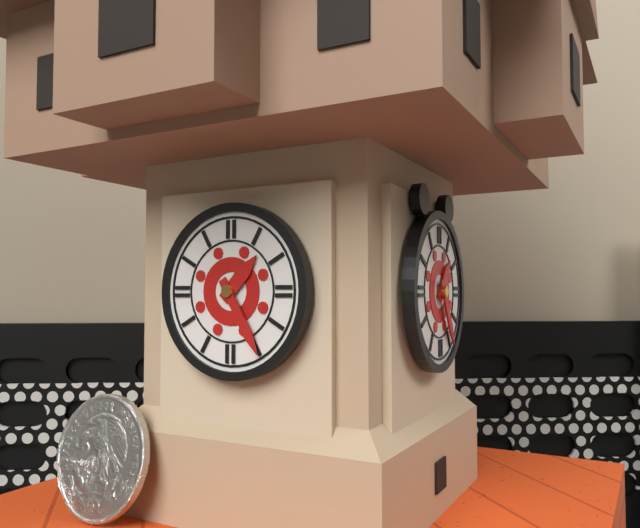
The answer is **1:25**
